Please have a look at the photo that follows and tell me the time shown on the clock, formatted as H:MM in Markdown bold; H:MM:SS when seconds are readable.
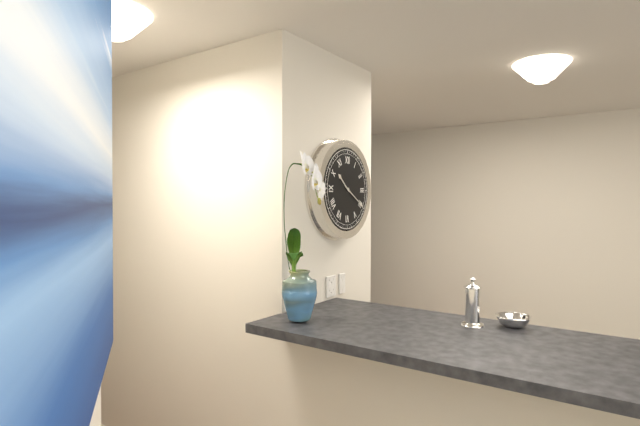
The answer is **10:20**
